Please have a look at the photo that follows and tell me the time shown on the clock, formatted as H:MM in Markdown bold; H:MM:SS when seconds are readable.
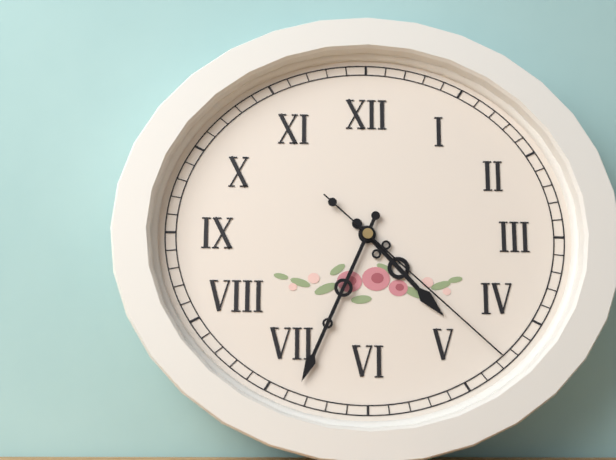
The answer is **4:34:22**
